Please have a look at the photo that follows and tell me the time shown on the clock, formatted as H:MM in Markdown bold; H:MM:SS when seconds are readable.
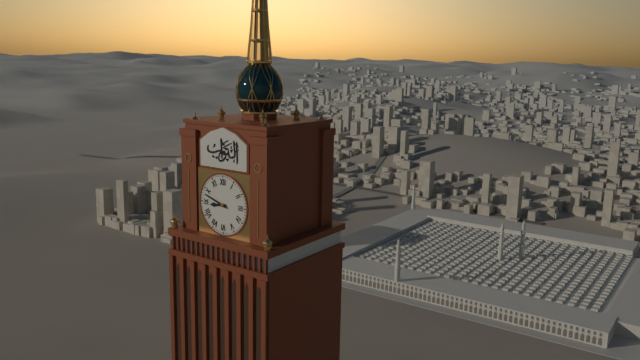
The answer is **8:48**
